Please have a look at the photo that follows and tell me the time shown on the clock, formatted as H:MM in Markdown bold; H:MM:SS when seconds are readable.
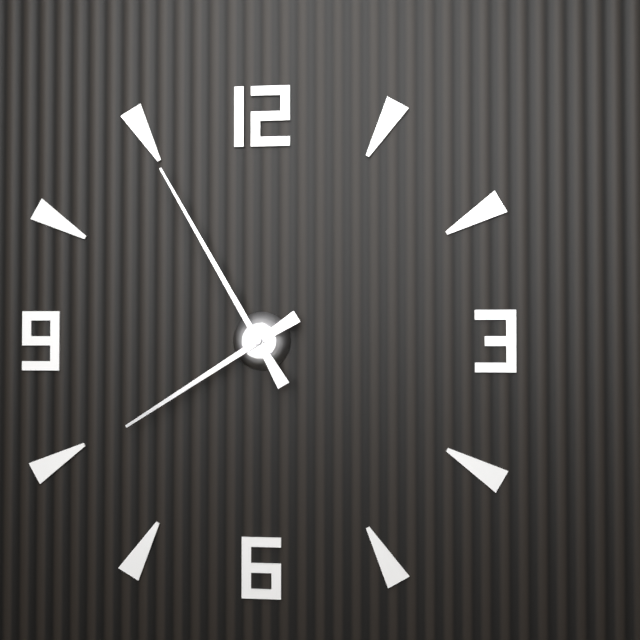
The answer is **7:55**
